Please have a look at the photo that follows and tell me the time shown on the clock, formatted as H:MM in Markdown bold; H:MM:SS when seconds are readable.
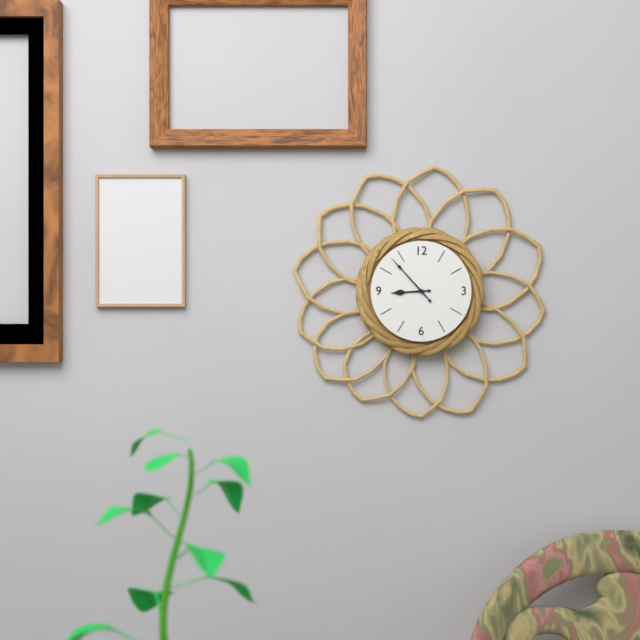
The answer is **8:53**
